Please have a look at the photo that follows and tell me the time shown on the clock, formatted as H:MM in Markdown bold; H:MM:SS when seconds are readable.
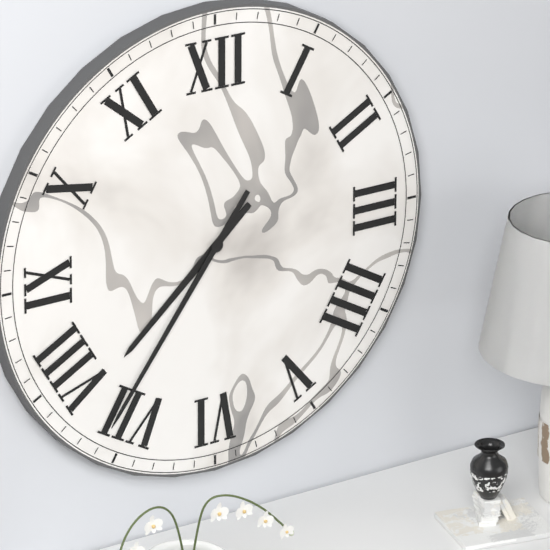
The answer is **7:36**
